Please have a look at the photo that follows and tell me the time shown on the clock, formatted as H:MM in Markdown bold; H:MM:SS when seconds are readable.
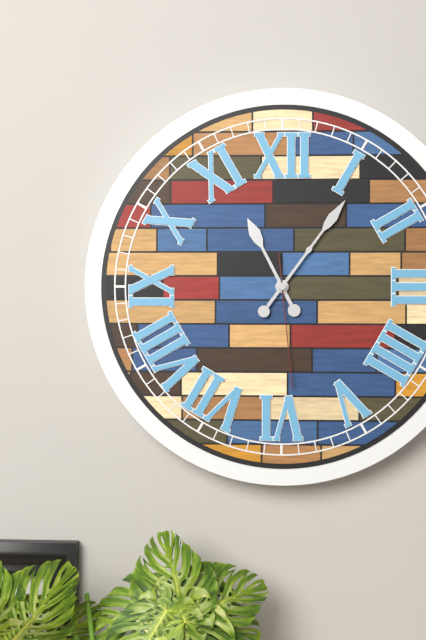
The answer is **11:06:29**
